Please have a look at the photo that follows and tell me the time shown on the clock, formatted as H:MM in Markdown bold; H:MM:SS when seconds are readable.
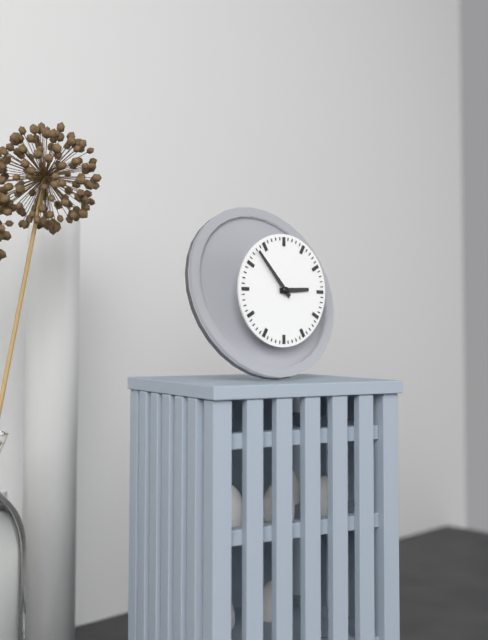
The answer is **2:53**
